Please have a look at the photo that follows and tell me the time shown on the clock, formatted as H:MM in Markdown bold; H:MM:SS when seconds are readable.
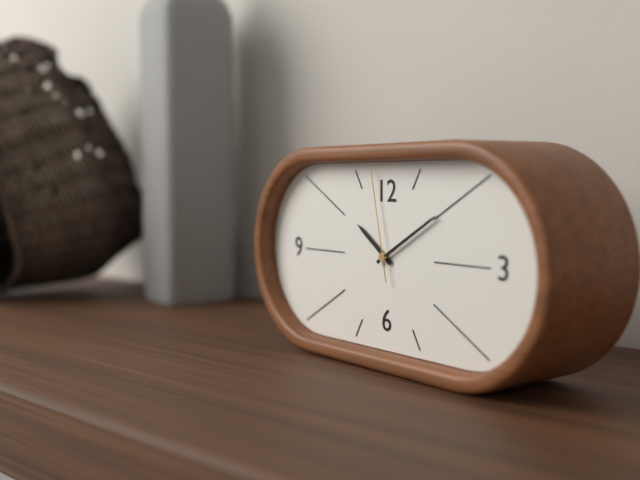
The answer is **10:10:58**
